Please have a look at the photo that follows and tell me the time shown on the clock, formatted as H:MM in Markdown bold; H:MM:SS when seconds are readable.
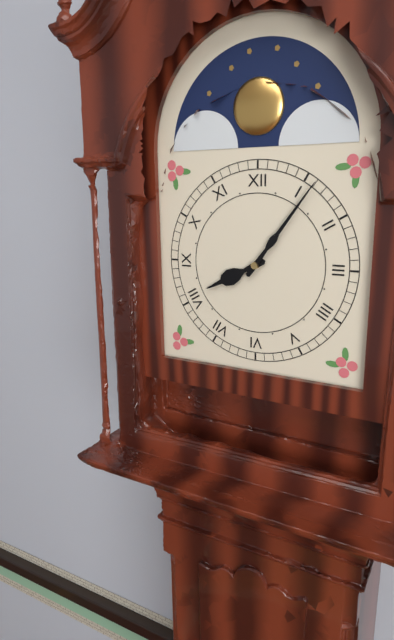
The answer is **8:06**
